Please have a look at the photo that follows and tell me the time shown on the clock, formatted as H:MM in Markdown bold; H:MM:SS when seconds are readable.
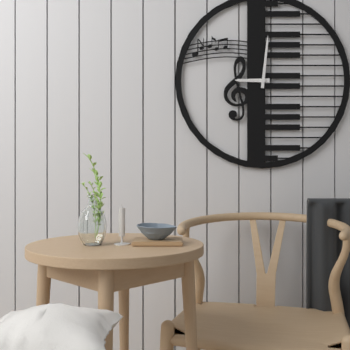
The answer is **9:01**
